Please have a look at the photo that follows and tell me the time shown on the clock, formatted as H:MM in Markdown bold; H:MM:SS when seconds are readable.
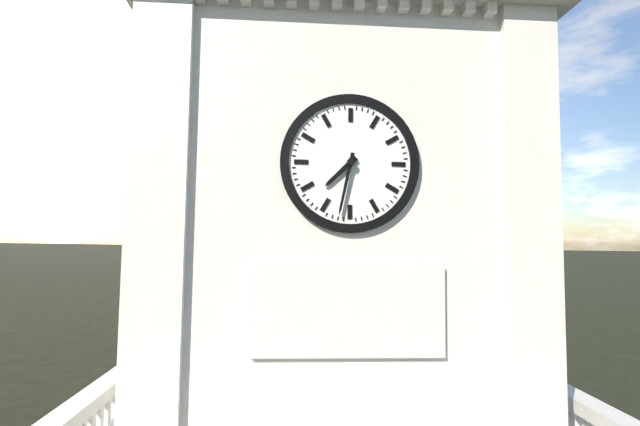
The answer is **7:32**
